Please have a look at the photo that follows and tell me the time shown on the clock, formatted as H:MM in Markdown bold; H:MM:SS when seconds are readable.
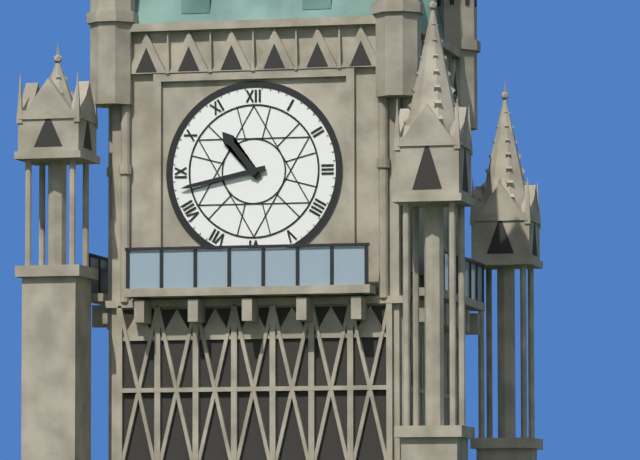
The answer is **10:43**
